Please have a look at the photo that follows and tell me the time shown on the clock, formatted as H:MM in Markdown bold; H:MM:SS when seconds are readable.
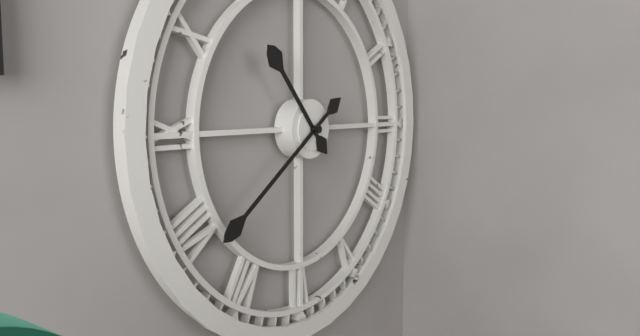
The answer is **10:39**
